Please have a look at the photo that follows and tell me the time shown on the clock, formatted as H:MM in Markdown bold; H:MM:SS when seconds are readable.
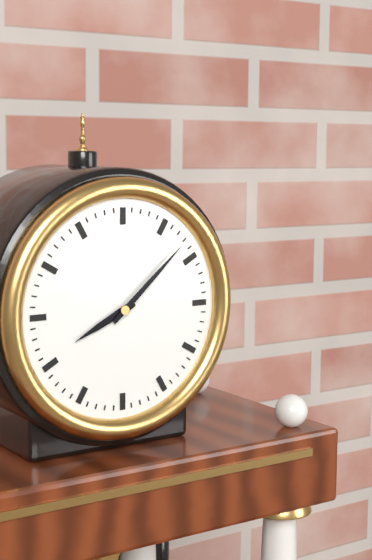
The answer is **8:08**
